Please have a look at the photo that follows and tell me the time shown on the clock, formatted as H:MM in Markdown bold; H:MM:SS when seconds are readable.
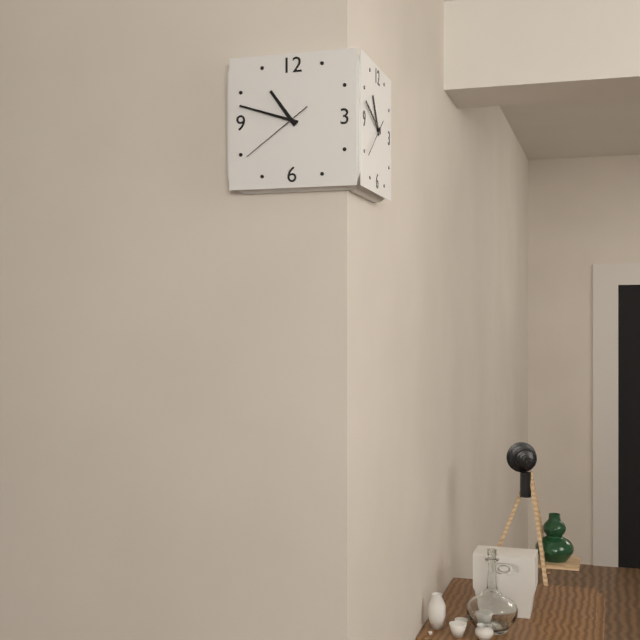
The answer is **10:48:39**
